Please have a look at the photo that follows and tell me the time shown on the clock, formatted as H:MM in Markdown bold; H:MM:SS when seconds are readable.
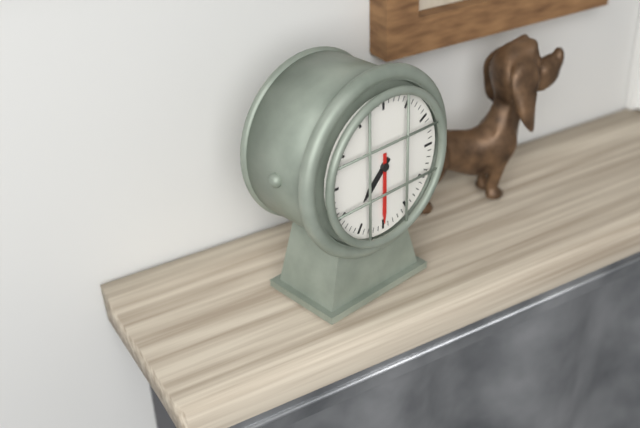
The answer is **7:30**
